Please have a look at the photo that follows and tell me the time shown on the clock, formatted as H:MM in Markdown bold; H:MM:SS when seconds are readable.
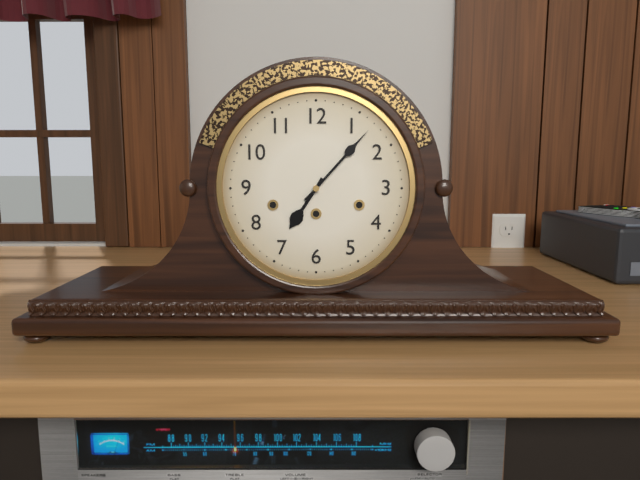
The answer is **7:07**
